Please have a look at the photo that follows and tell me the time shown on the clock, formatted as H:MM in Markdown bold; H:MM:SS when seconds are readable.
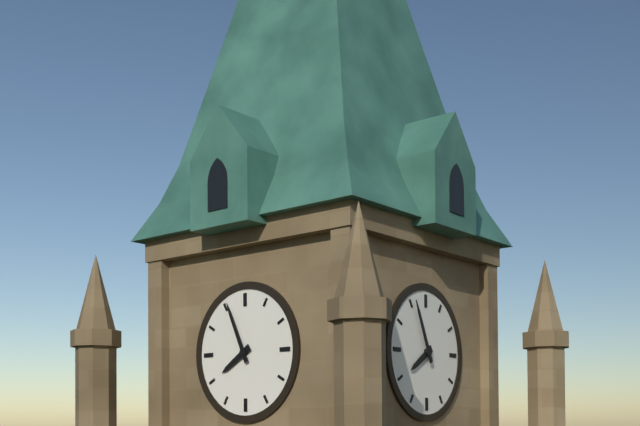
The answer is **7:56**
